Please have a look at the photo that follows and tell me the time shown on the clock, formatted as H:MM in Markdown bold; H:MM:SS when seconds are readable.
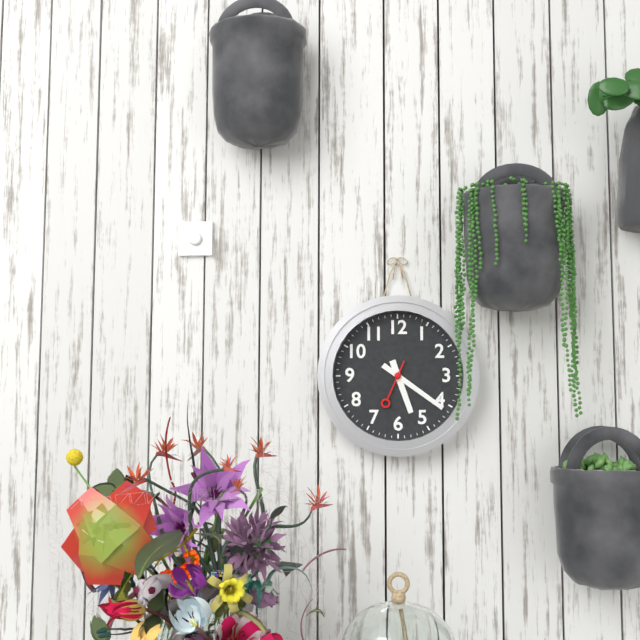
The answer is **5:21**
